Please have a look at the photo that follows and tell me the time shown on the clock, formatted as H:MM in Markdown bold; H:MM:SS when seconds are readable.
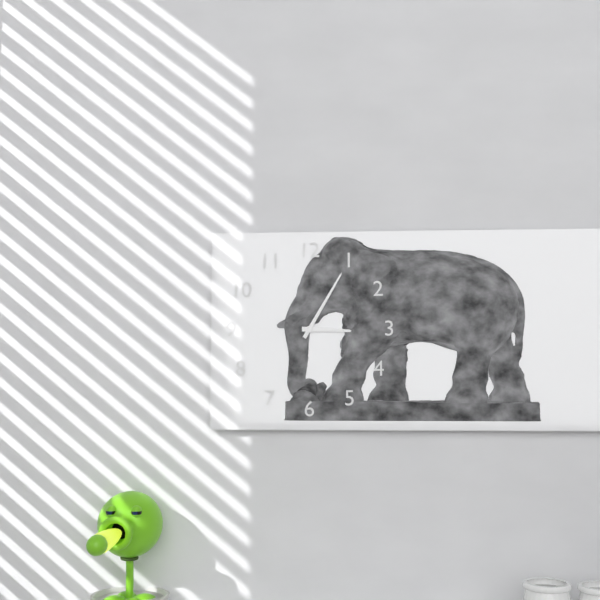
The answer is **3:05**
